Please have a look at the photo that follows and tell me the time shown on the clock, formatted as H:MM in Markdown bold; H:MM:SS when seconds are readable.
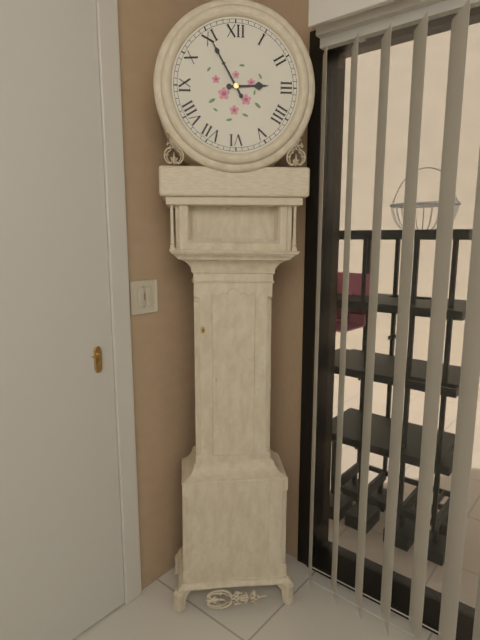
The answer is **2:55**
